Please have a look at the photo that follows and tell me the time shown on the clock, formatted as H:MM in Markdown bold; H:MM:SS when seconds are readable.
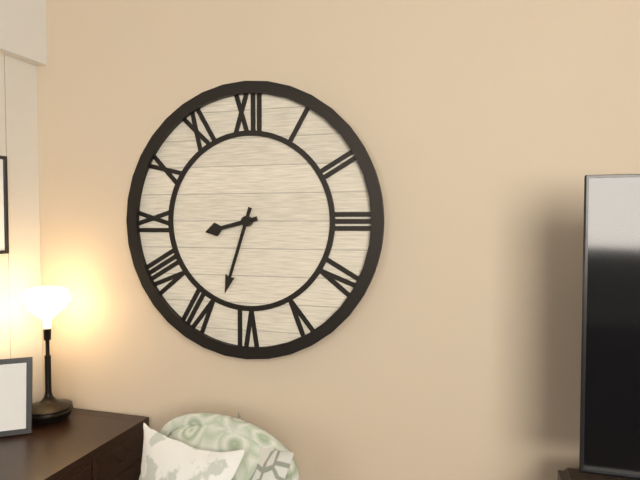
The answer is **8:33**
